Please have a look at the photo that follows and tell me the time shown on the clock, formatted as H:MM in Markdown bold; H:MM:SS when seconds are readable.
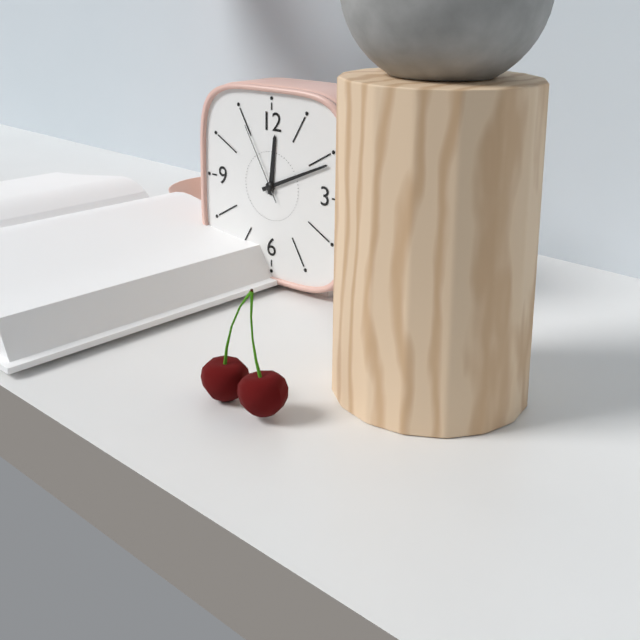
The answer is **12:11:55**
